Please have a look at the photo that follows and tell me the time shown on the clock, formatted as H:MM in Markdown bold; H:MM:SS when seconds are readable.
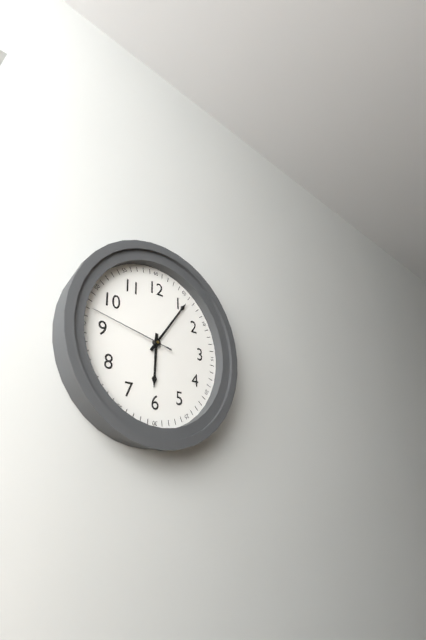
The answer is **6:06:47**
